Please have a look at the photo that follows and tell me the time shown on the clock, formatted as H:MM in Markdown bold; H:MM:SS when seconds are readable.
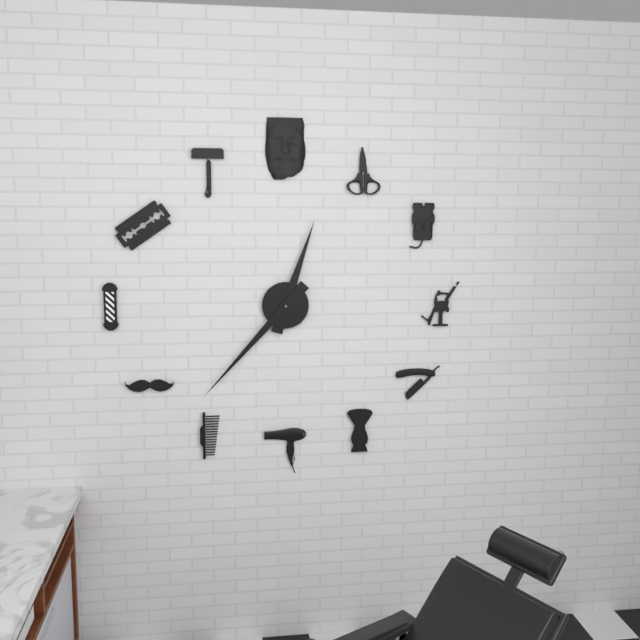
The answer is **12:37**
